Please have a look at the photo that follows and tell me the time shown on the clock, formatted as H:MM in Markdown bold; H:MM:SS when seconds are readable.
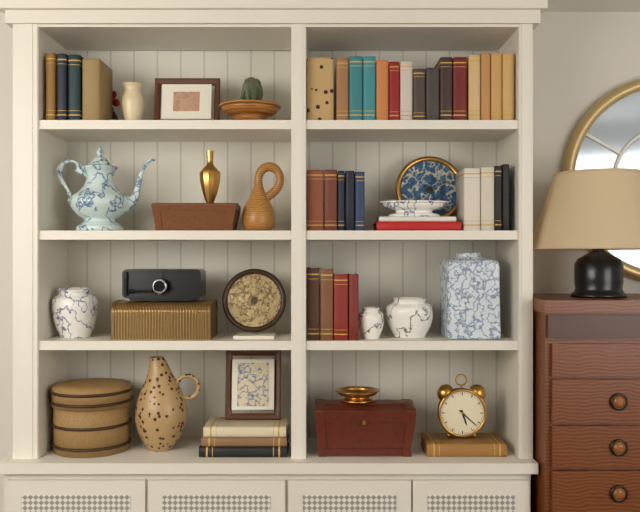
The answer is **5:22**
